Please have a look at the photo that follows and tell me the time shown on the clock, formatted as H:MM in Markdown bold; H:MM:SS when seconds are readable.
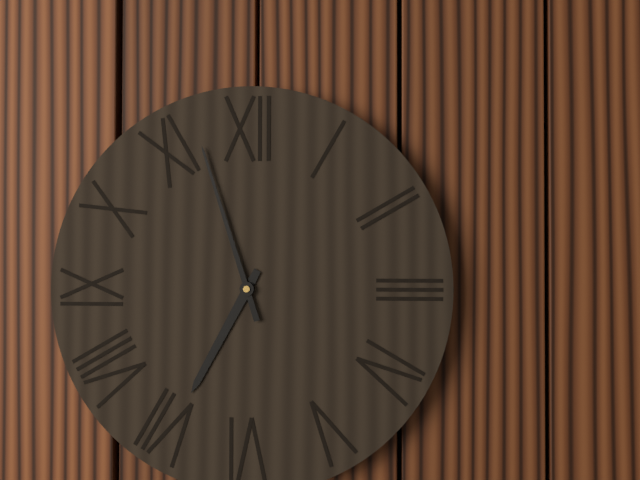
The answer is **6:57**
